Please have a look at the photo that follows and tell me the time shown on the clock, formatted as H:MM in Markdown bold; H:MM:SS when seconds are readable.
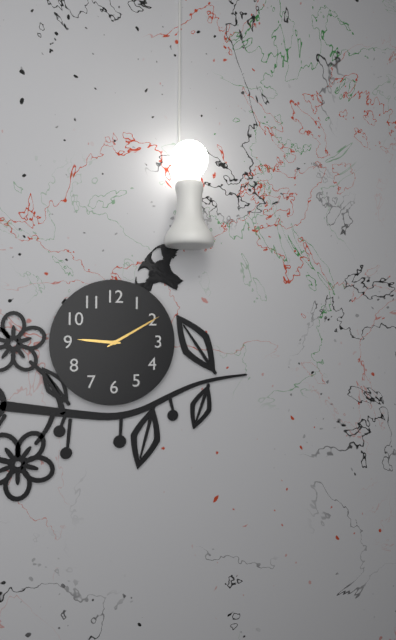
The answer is **9:10**
